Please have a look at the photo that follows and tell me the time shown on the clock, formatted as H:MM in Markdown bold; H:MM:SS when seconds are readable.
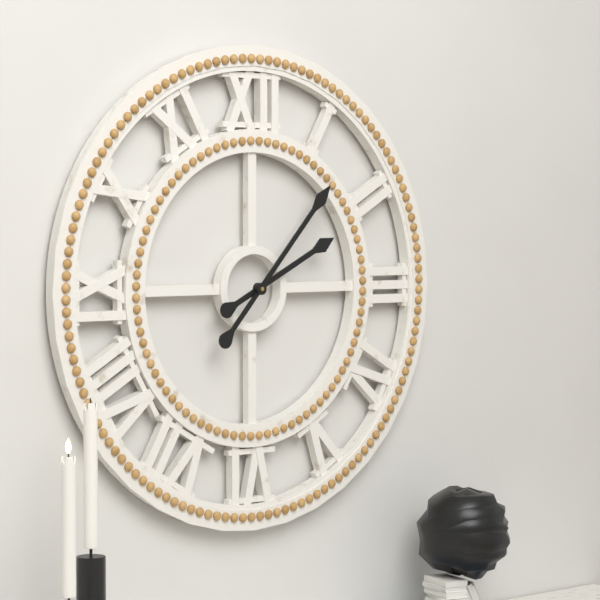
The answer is **2:07**
